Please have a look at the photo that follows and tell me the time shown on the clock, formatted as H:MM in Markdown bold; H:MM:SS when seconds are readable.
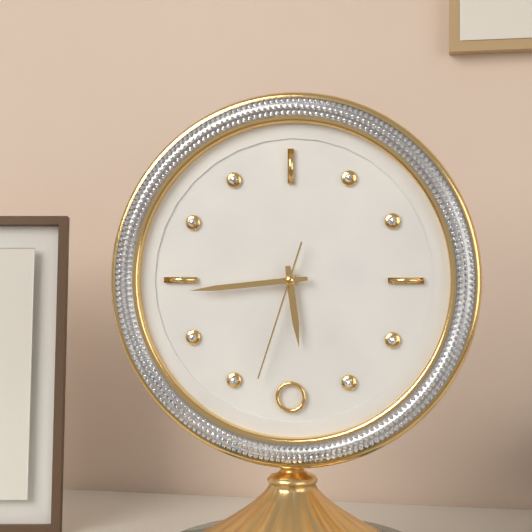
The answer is **5:44:33**
